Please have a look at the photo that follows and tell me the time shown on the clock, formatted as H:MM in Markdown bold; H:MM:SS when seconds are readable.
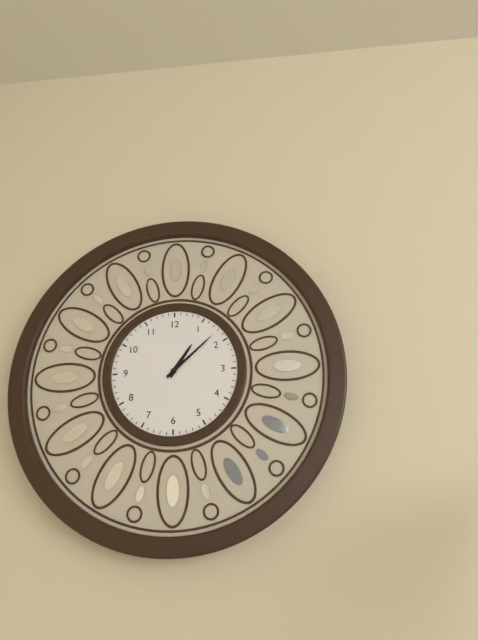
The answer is **1:08**
